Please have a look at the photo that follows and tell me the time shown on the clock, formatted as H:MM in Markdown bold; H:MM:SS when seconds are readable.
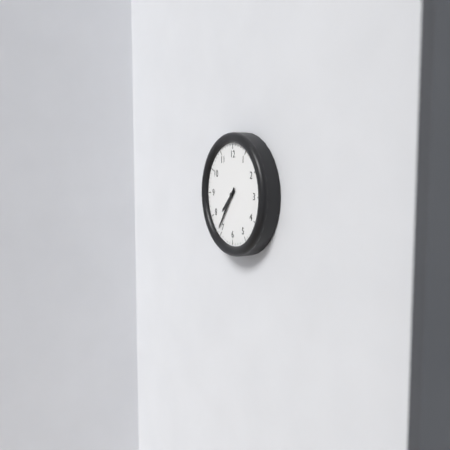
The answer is **7:36**
